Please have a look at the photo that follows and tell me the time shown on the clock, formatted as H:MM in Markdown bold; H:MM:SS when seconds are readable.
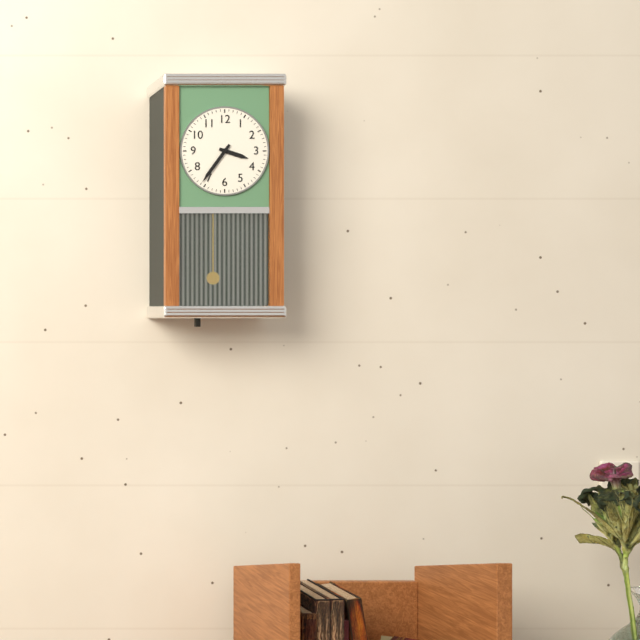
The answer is **3:36**
